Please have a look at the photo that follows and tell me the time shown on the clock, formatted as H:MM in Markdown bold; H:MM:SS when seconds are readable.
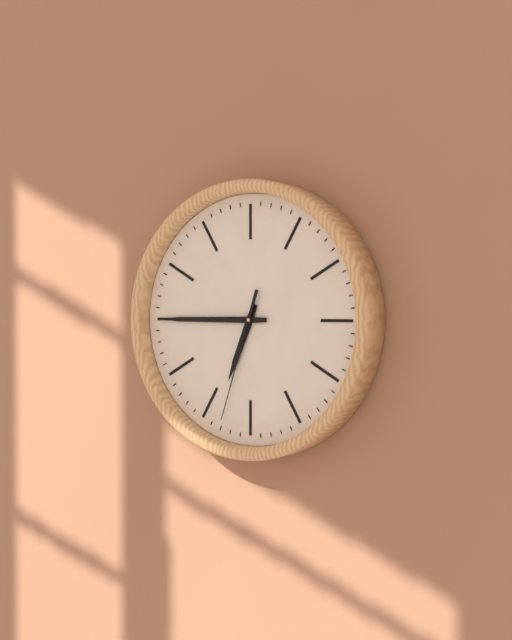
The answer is **6:45:33**
